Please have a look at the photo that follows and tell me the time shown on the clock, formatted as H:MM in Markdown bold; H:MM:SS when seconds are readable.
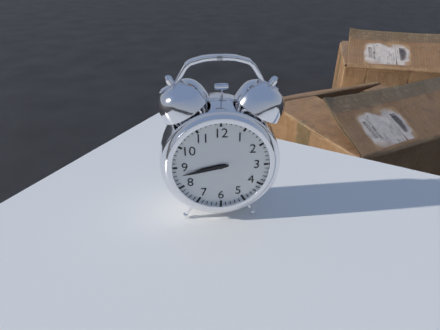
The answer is **8:43**
